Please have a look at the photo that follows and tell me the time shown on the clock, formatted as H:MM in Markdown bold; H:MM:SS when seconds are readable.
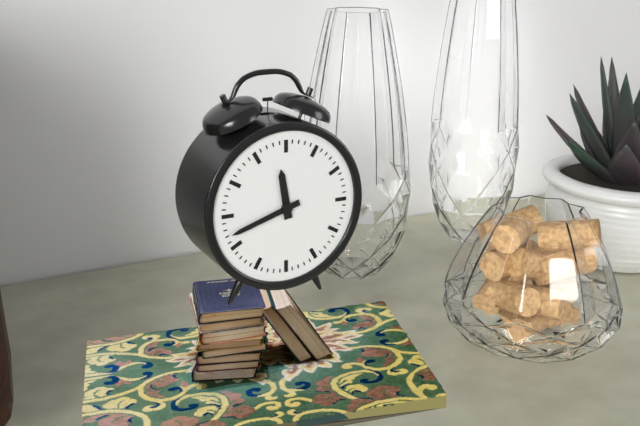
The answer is **11:42**
